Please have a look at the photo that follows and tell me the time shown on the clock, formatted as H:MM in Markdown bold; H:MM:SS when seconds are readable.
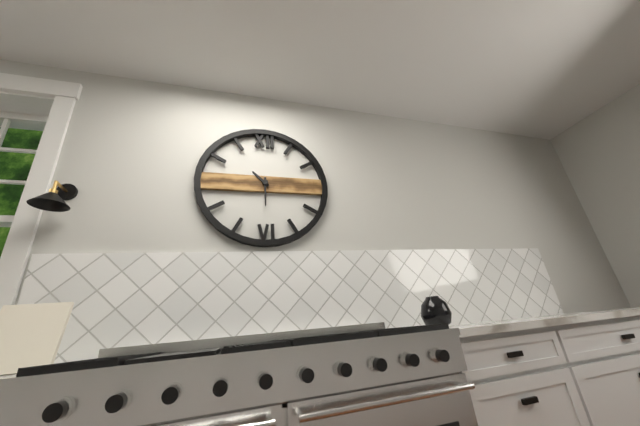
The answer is **10:30**
